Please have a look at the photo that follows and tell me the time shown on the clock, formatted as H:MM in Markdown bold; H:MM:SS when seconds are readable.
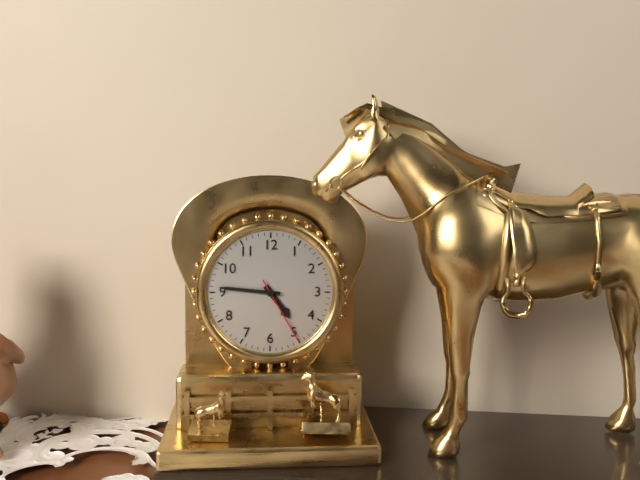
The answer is **4:46:25**
